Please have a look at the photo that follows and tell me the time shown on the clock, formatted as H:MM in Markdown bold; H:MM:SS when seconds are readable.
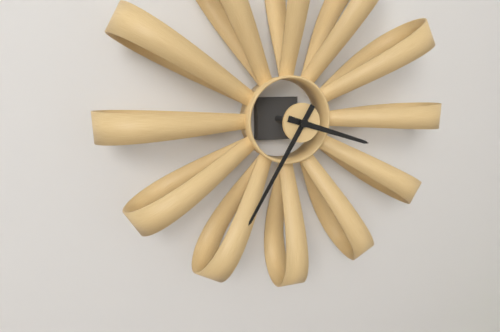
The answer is **3:35**
